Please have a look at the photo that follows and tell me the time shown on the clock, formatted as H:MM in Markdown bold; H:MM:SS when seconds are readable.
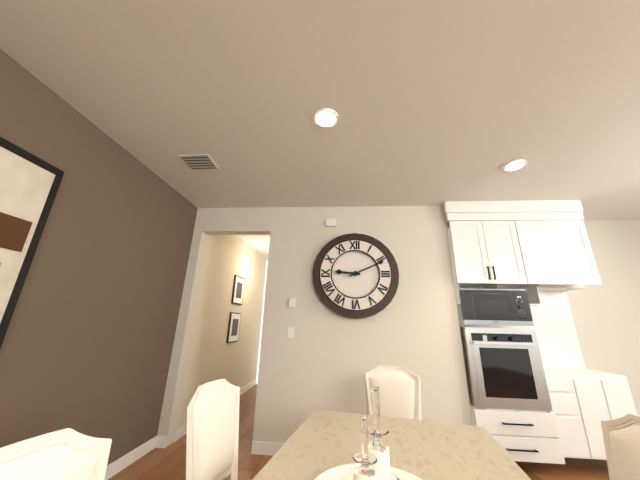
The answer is **9:11**
